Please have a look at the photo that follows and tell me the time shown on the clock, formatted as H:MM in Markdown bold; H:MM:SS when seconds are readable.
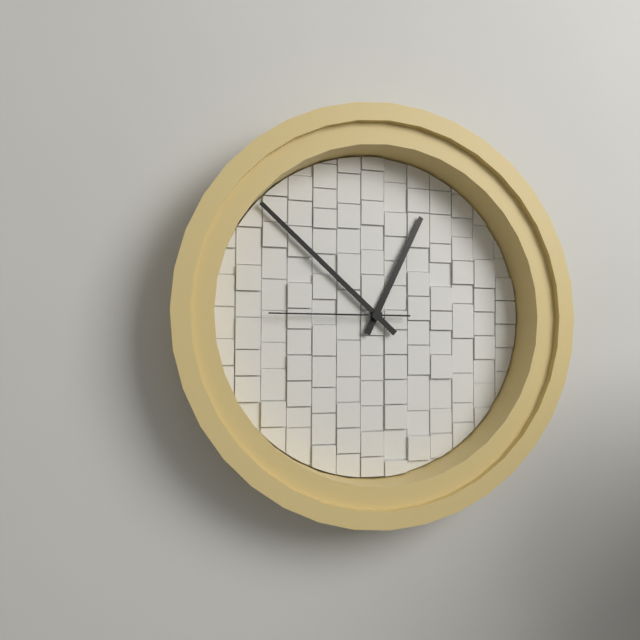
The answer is **12:52:45**
